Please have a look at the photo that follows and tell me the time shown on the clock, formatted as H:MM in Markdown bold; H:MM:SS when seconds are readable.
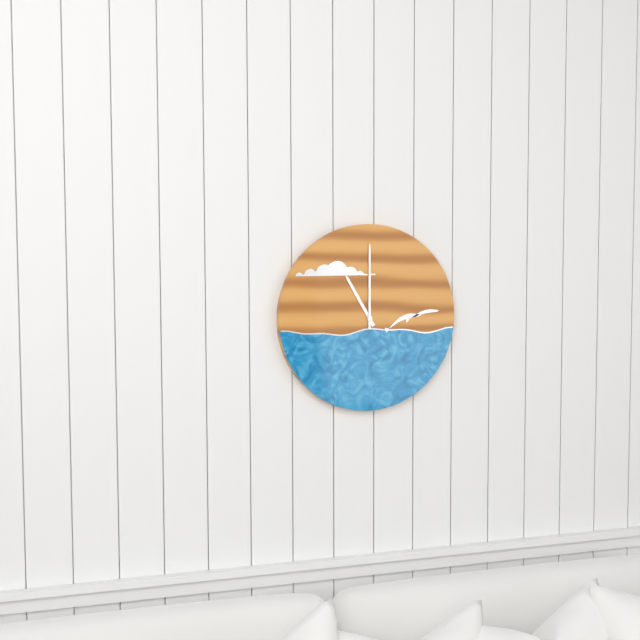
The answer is **11:00**
